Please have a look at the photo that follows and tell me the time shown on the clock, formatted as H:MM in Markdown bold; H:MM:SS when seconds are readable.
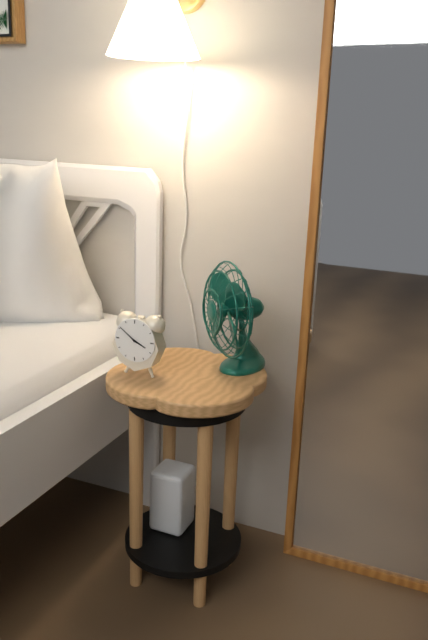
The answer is **3:51**
